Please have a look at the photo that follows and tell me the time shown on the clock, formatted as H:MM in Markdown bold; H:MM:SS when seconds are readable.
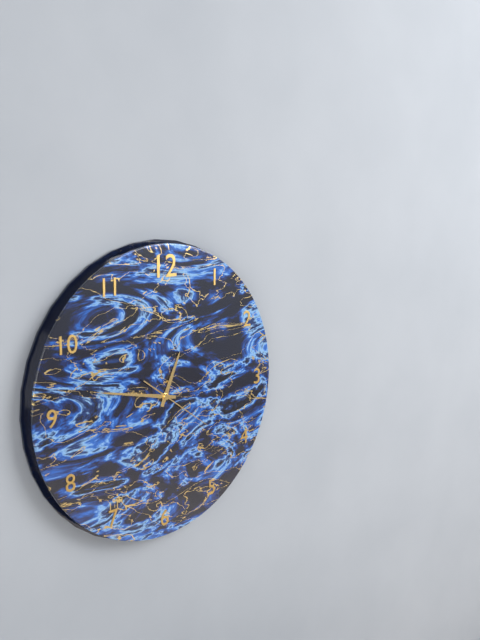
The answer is **12:47:21**
